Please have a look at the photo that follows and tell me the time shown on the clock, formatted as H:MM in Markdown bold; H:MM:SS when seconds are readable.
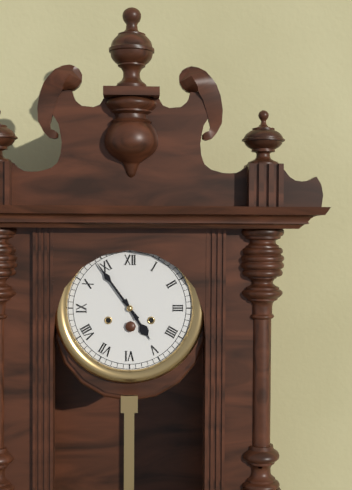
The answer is **4:54**
